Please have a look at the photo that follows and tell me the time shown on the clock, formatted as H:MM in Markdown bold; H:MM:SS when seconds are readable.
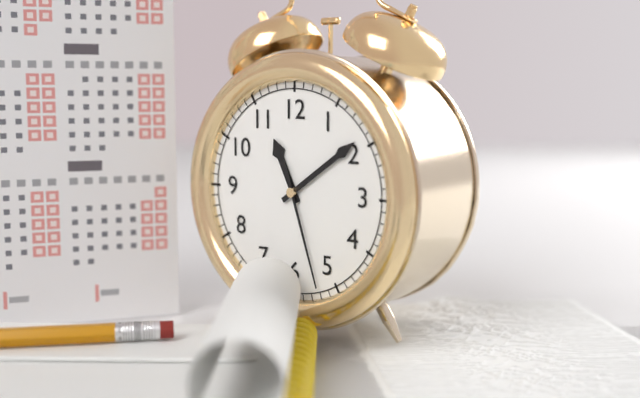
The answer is **11:09:27**
